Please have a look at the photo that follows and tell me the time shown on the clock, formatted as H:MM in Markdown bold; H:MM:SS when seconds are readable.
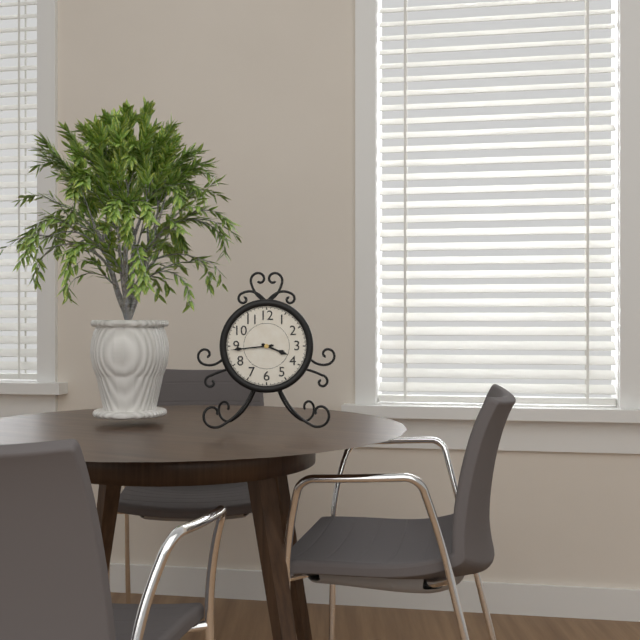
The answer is **3:44**
